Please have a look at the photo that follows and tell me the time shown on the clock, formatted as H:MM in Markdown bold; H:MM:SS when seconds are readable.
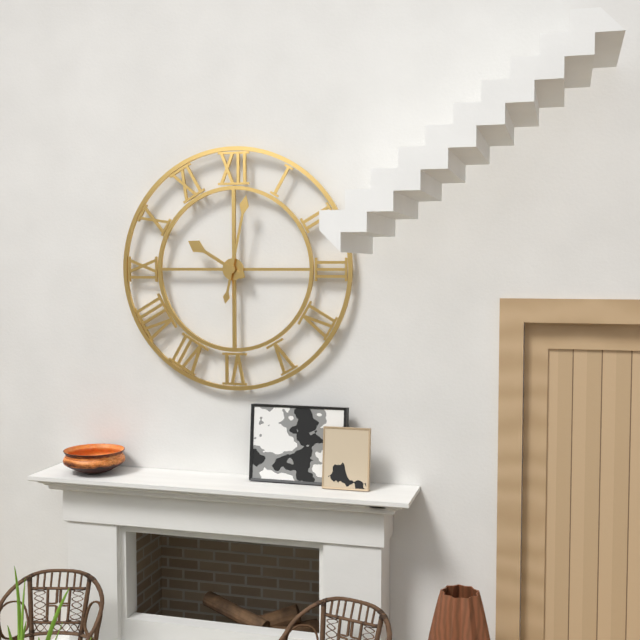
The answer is **10:02**
